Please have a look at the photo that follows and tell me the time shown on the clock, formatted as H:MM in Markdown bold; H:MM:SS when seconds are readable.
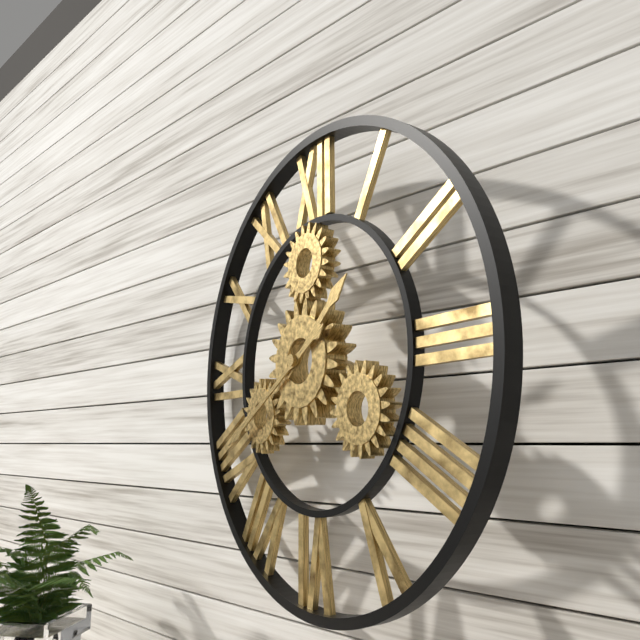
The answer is **1:40**
